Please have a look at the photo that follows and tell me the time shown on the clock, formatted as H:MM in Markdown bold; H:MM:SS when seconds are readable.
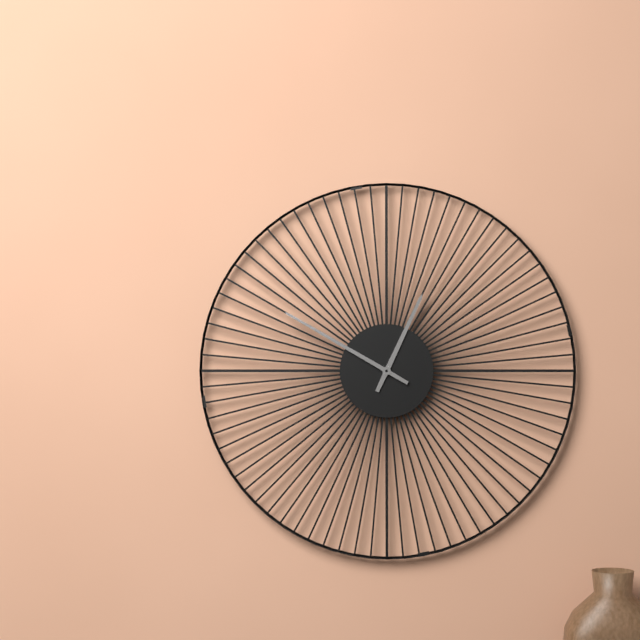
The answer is **12:50**
